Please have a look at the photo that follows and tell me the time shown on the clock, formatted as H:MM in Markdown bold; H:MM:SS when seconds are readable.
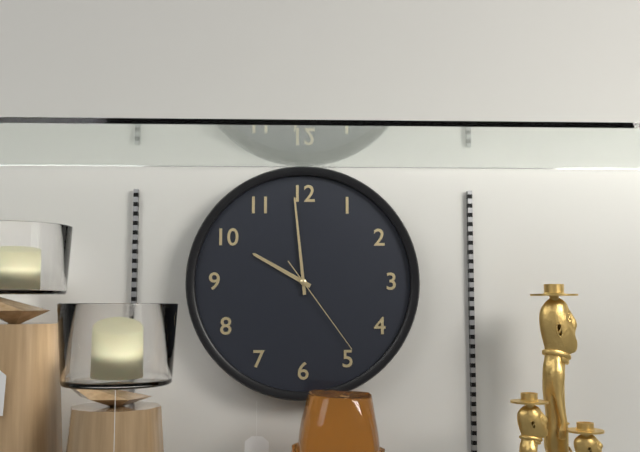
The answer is **9:59:24**
